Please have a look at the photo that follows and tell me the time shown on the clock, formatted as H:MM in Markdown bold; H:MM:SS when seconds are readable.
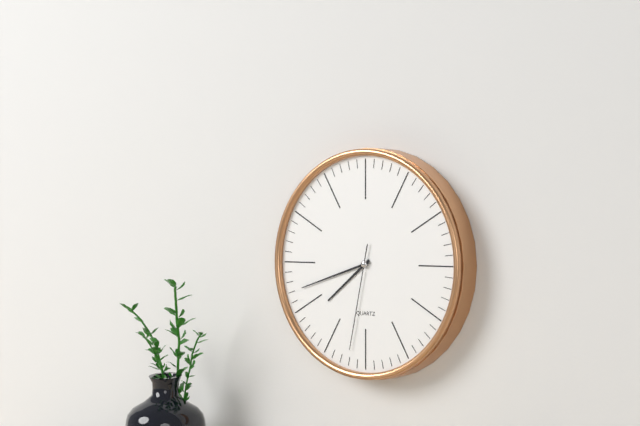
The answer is **7:42:32**
